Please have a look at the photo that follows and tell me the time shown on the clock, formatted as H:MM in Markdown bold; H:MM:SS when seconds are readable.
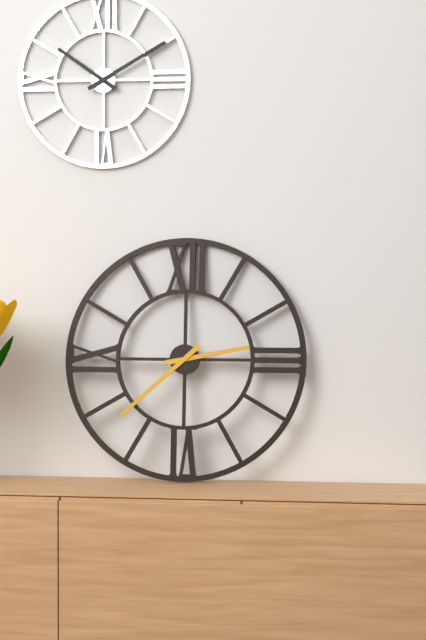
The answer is **2:38**
